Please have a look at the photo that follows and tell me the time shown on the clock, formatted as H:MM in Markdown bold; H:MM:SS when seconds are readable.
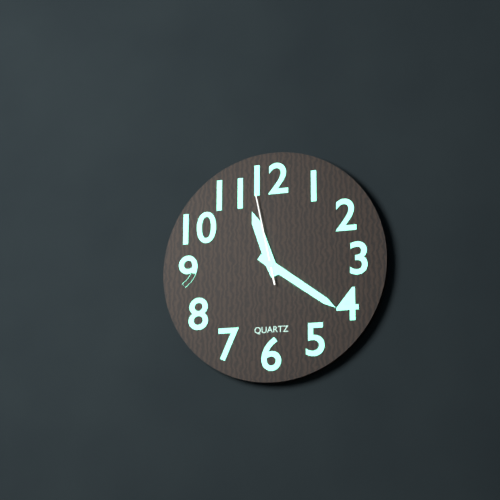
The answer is **11:21:58**
